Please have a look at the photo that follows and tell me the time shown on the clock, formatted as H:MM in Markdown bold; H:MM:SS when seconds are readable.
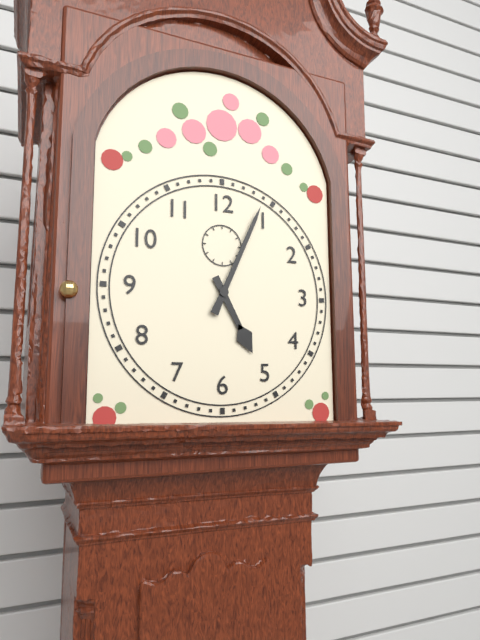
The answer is **5:04**
